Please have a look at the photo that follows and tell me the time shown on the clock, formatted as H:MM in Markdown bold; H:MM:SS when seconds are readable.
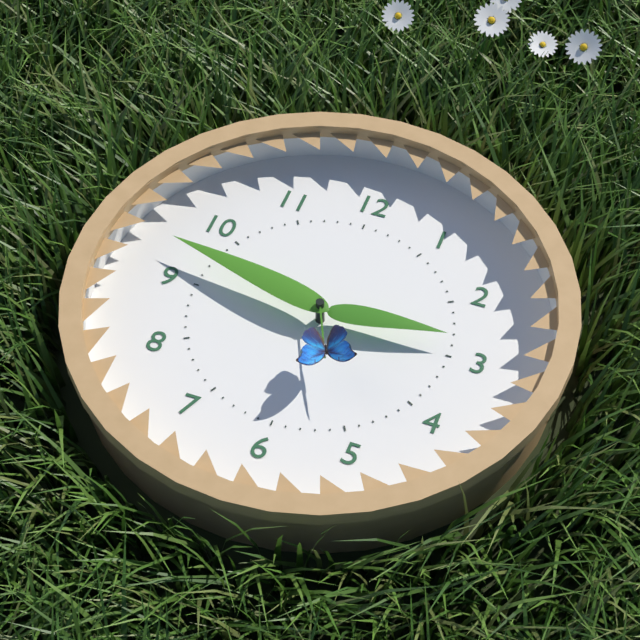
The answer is **2:47:26**
